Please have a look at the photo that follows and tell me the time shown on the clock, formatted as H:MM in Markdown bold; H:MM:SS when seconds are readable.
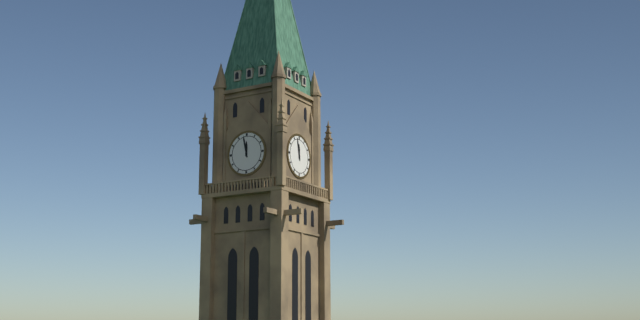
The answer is **11:58**
